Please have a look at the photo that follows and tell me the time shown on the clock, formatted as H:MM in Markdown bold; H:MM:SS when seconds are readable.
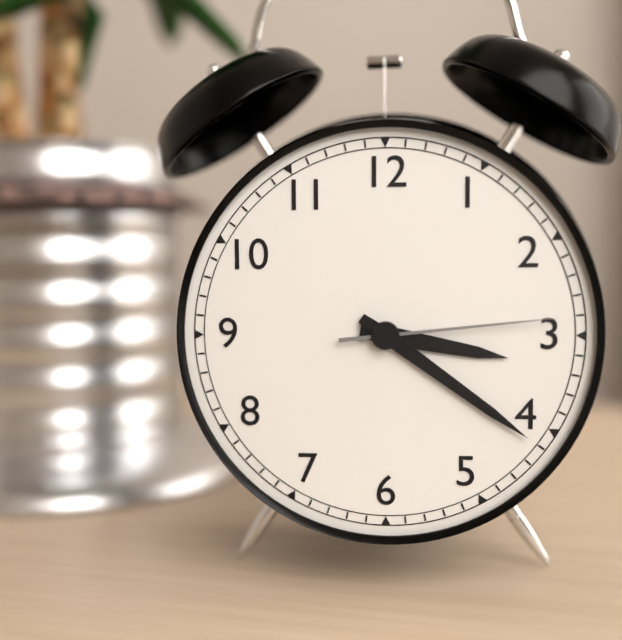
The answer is **3:21:14**
